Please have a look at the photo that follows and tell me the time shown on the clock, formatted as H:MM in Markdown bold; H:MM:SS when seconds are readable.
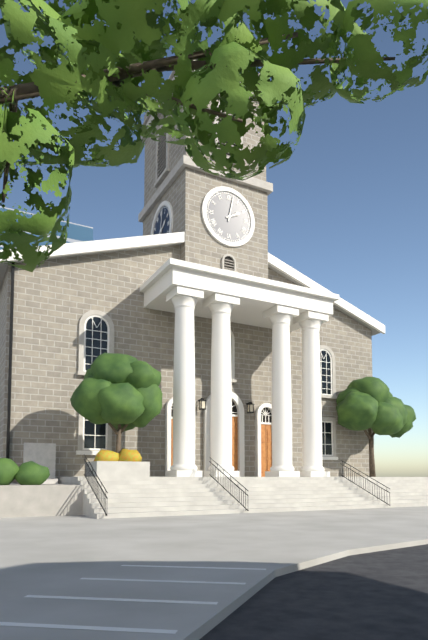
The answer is **2:02**
